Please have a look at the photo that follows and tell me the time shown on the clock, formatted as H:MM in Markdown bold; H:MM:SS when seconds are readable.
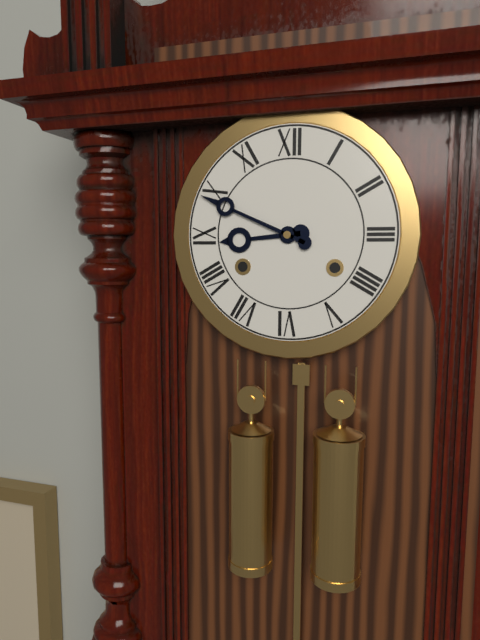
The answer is **8:49**
